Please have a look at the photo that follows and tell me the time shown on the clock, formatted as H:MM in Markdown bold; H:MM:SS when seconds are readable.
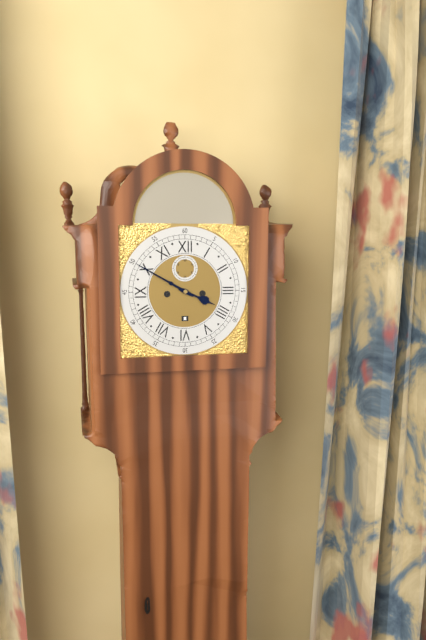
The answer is **3:50**
